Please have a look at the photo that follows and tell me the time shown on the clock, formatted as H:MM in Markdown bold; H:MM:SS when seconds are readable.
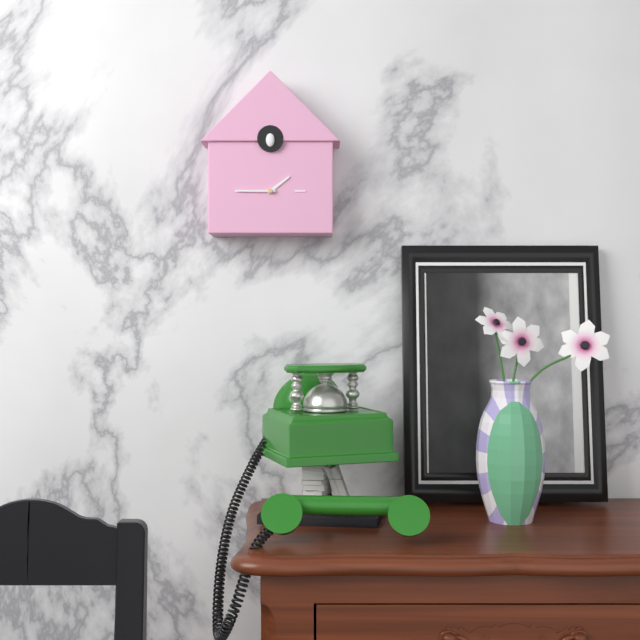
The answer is **1:45**
